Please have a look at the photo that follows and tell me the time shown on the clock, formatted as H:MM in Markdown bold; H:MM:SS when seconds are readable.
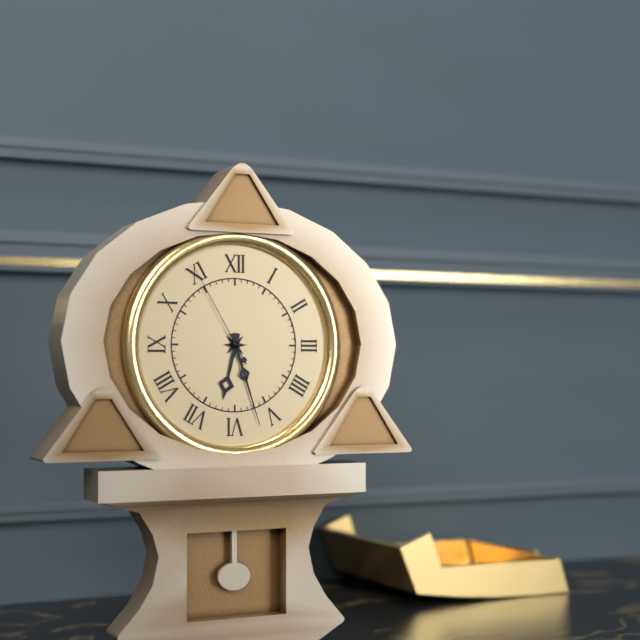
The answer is **6:27:55**
